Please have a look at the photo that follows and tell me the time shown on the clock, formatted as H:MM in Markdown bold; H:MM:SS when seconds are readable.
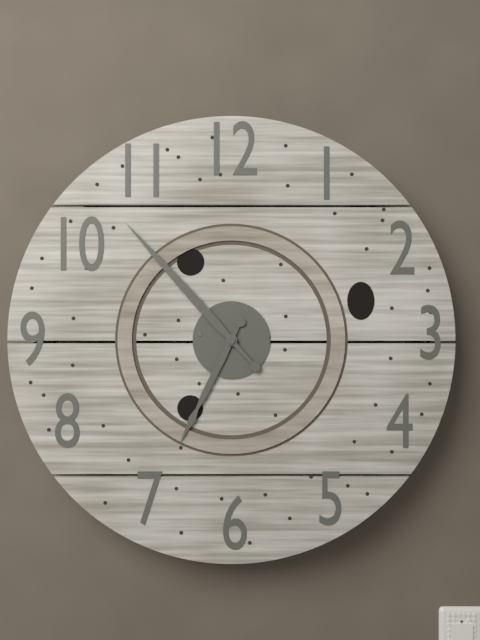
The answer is **6:53**
